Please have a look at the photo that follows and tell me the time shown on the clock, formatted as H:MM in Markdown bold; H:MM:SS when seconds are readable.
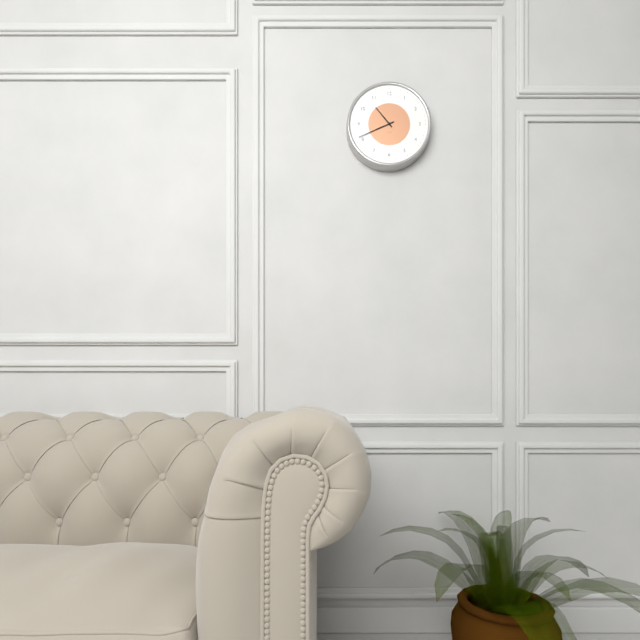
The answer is **10:41**
